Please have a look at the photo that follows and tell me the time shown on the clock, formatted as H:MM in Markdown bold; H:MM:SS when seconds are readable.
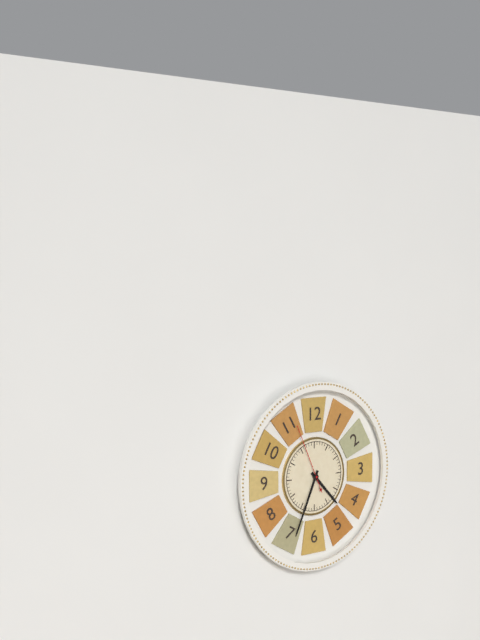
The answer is **4:34:56**
